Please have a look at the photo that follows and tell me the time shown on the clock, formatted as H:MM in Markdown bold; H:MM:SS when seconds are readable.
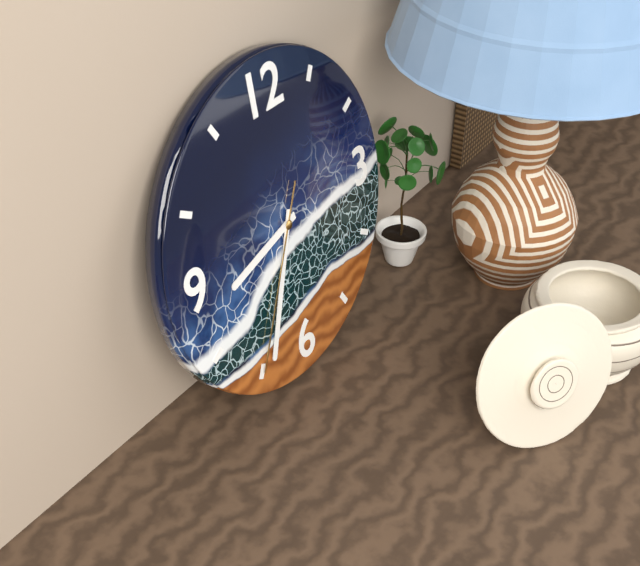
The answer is **8:34:35**
